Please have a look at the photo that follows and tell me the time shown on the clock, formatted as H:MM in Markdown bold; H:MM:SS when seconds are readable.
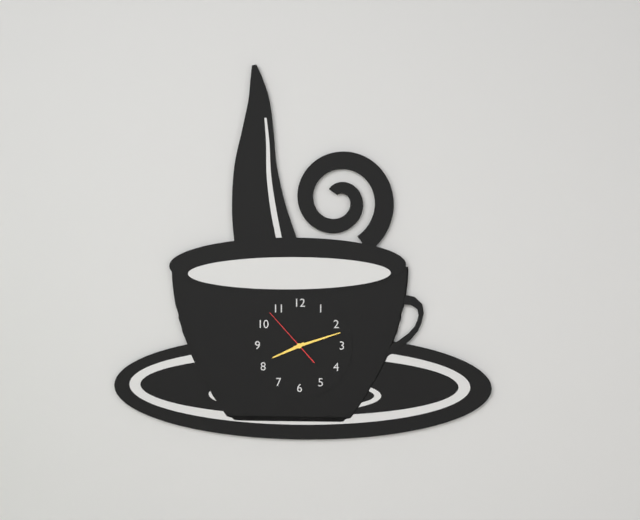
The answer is **8:12:53**
